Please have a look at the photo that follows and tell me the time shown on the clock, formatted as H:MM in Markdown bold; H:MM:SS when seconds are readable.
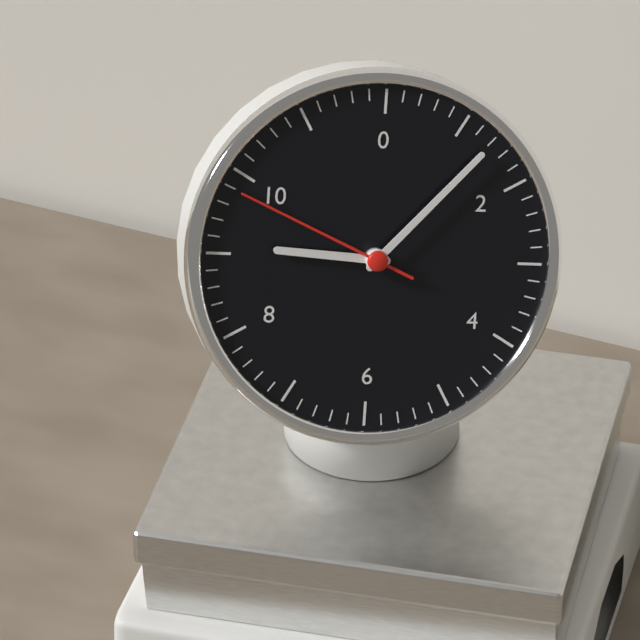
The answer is **9:07:49**
